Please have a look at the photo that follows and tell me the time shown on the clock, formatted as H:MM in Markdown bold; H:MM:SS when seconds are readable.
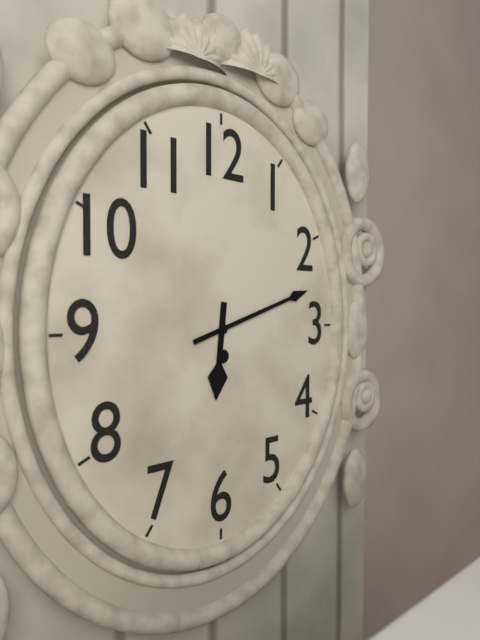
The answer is **6:12**
